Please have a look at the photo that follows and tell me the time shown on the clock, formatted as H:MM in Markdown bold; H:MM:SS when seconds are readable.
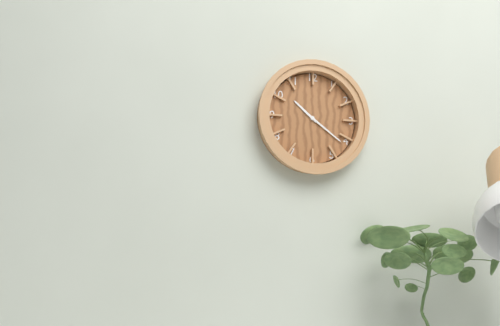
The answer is **10:21**
